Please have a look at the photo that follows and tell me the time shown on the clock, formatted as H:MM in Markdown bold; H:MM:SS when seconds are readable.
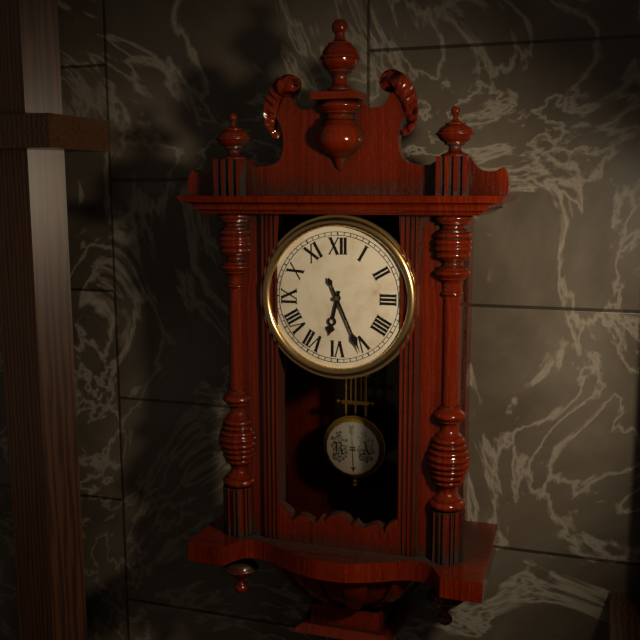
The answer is **6:26**
